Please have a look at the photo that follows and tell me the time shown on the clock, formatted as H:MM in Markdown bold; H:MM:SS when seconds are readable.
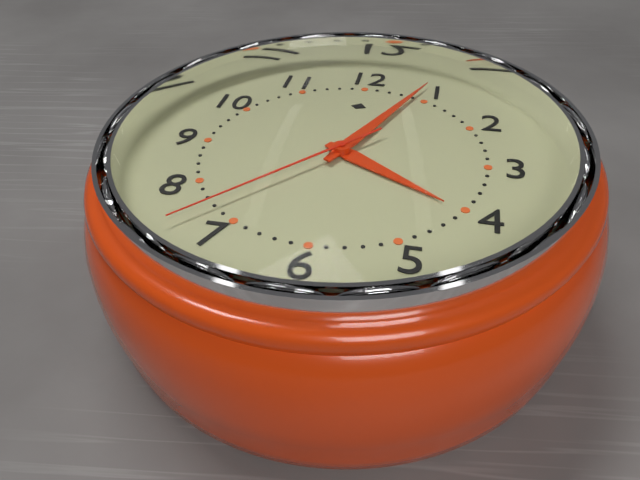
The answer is **4:04:37**
